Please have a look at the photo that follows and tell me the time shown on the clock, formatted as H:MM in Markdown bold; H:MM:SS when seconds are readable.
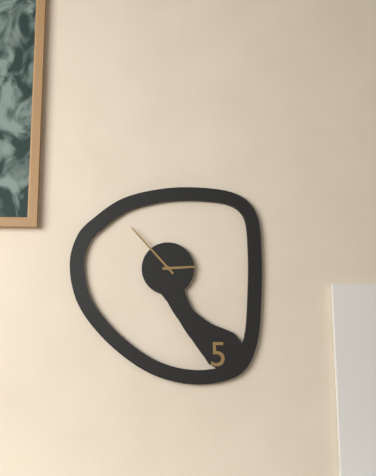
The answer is **2:53**
